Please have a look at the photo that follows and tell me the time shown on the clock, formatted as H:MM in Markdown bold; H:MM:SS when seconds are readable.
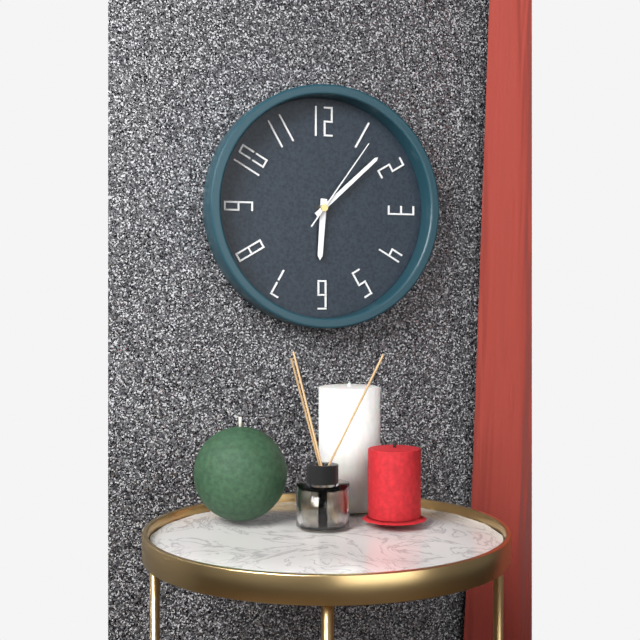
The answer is **6:08:06**
